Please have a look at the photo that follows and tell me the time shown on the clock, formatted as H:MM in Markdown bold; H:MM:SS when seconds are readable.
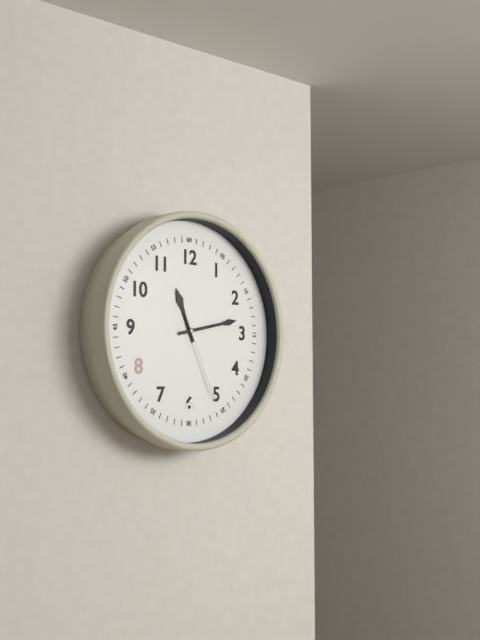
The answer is **11:13:26**
